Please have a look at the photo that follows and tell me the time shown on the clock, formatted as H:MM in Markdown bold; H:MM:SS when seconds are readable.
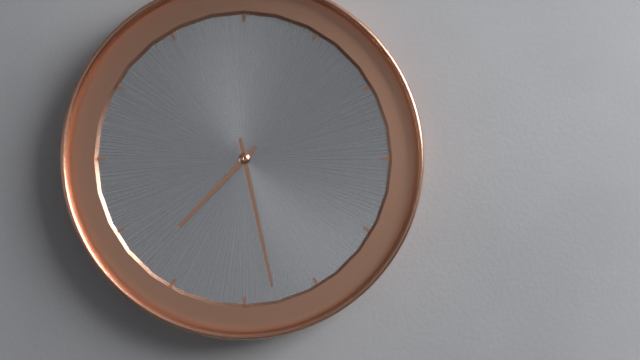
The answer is **7:28**
